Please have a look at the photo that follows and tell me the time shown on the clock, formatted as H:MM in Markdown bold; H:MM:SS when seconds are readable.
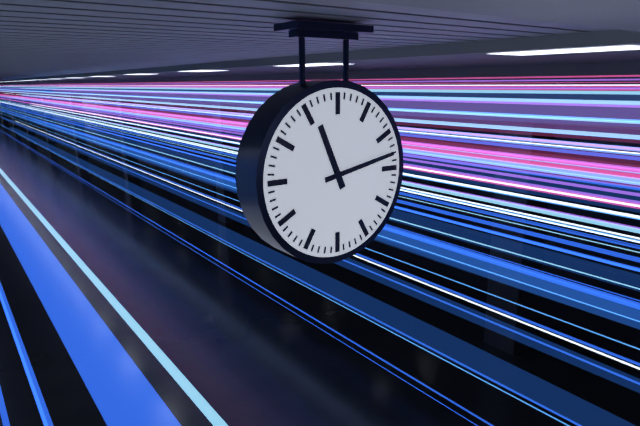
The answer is **11:13**
